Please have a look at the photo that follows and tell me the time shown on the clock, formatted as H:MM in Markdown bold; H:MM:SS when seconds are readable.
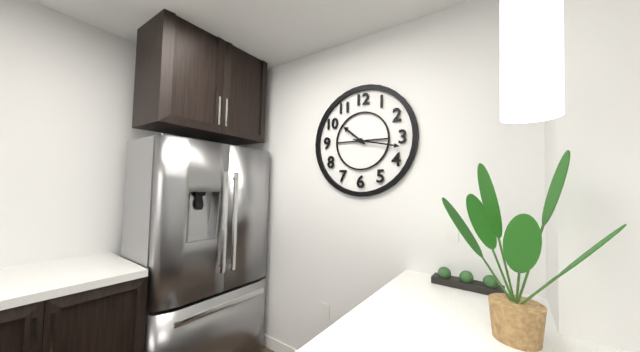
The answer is **10:17**
